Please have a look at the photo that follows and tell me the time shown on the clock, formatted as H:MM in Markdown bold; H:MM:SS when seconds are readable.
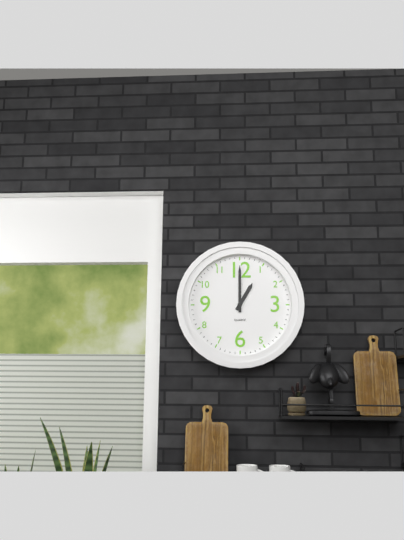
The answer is **1:00**
